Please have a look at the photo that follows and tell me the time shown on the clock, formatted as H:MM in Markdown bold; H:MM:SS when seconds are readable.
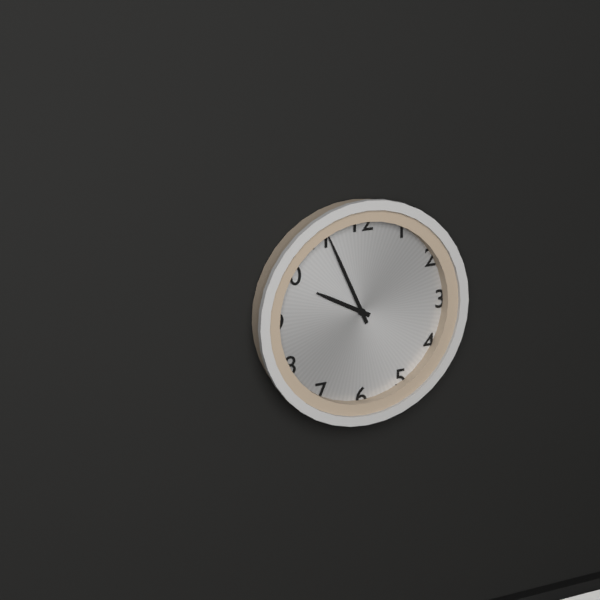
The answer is **9:56**
